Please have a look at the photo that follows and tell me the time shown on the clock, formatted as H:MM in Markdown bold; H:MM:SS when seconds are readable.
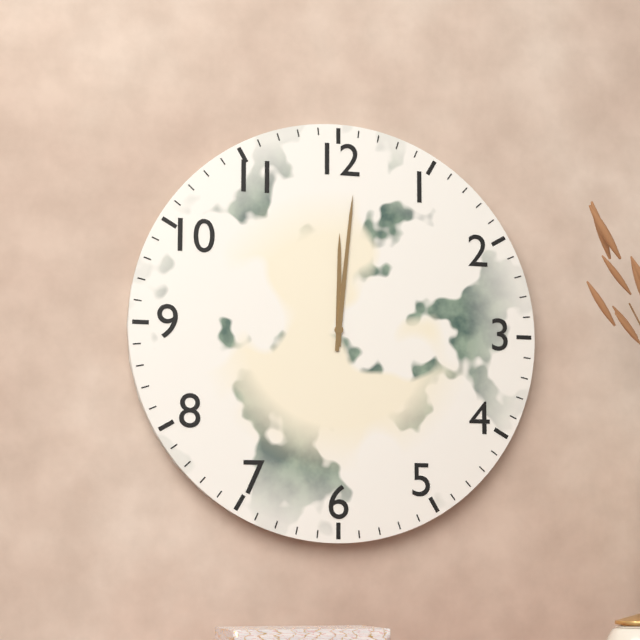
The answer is **12:01**
